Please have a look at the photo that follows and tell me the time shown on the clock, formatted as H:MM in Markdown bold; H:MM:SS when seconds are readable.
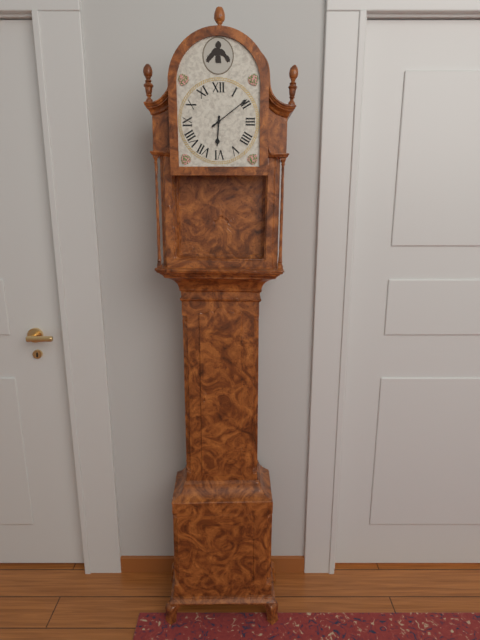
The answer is **6:09**
